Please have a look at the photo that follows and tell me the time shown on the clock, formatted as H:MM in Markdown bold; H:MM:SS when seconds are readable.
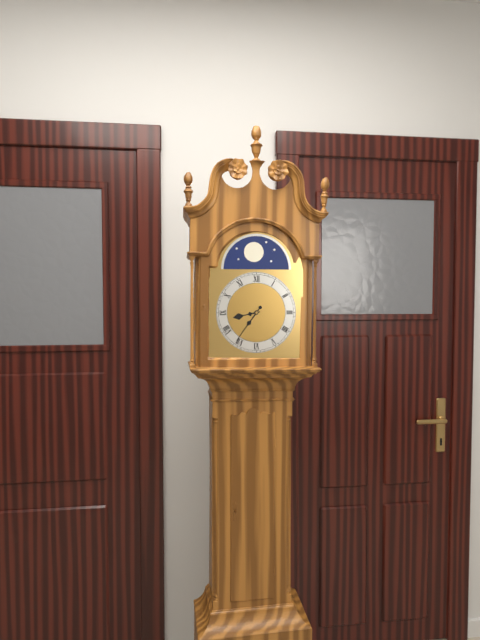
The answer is **8:36**
